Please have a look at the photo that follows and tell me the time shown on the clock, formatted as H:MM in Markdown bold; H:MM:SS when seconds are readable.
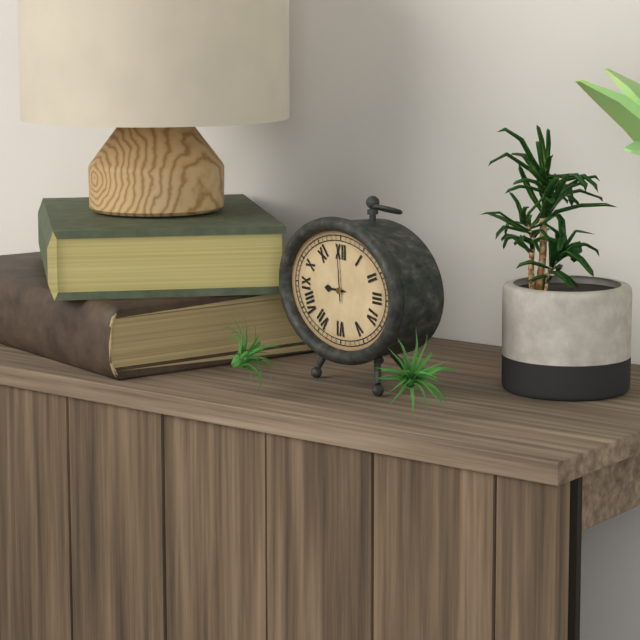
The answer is **8:59**
